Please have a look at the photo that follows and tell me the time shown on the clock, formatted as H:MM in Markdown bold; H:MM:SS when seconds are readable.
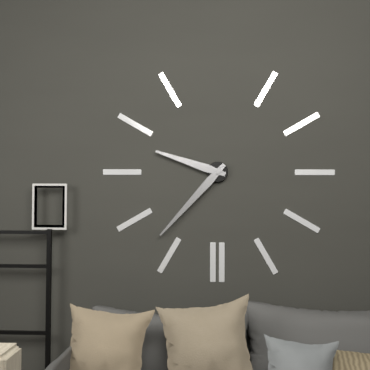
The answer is **9:37**
